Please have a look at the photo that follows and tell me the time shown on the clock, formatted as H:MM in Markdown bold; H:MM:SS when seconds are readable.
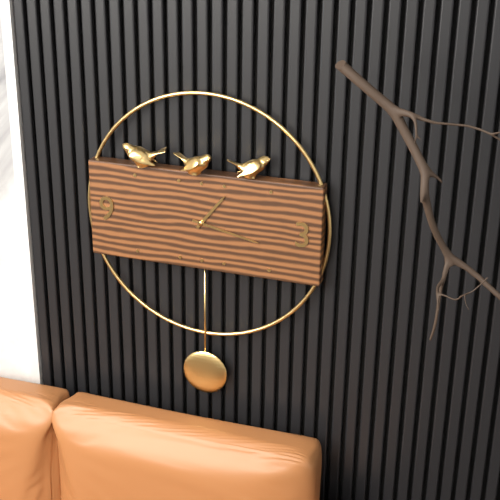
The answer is **1:17**
